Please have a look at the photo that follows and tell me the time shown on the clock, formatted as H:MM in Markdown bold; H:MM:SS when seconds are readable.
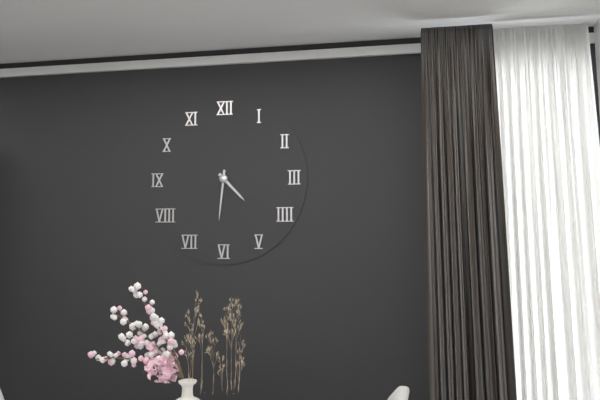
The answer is **4:31**
